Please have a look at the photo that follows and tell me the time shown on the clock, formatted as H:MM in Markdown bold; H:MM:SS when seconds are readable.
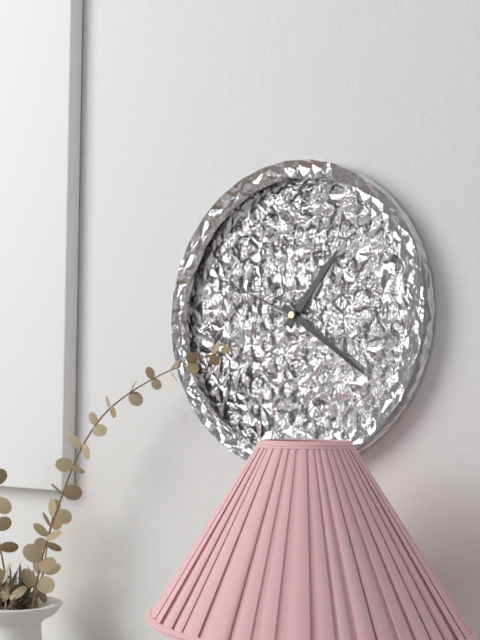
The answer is **1:21:49**
